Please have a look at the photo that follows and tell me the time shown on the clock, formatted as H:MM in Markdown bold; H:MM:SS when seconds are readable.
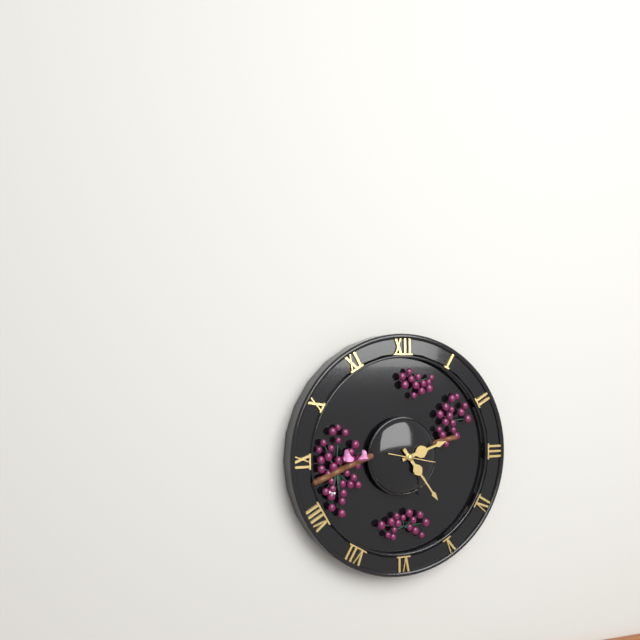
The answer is **2:24**
